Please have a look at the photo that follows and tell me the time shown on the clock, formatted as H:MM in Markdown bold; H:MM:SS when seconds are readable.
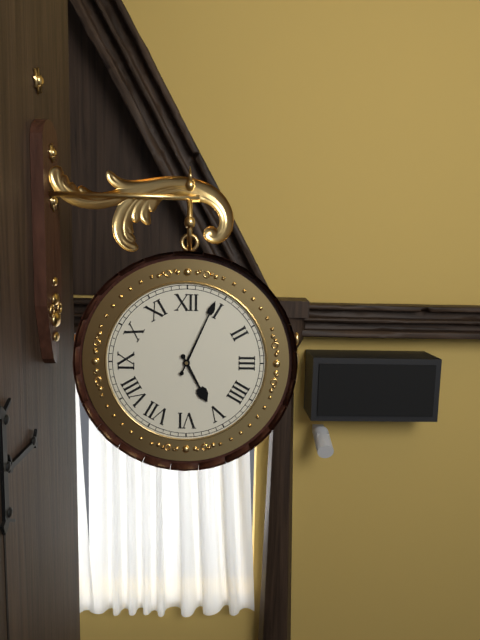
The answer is **5:04**
